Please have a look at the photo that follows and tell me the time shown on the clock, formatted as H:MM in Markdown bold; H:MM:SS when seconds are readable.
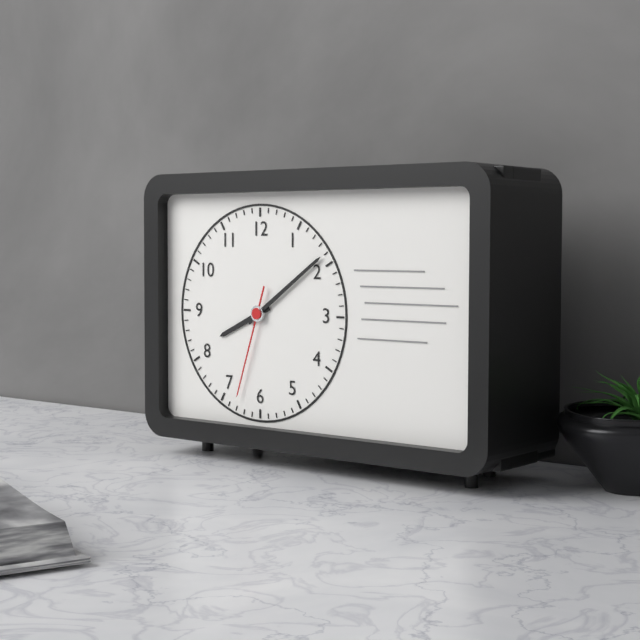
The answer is **8:09:33**
